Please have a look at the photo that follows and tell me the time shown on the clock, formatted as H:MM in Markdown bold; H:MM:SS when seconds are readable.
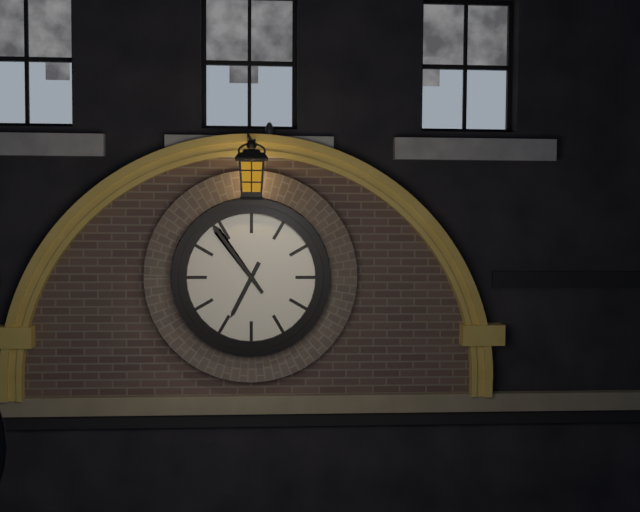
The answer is **6:54**
